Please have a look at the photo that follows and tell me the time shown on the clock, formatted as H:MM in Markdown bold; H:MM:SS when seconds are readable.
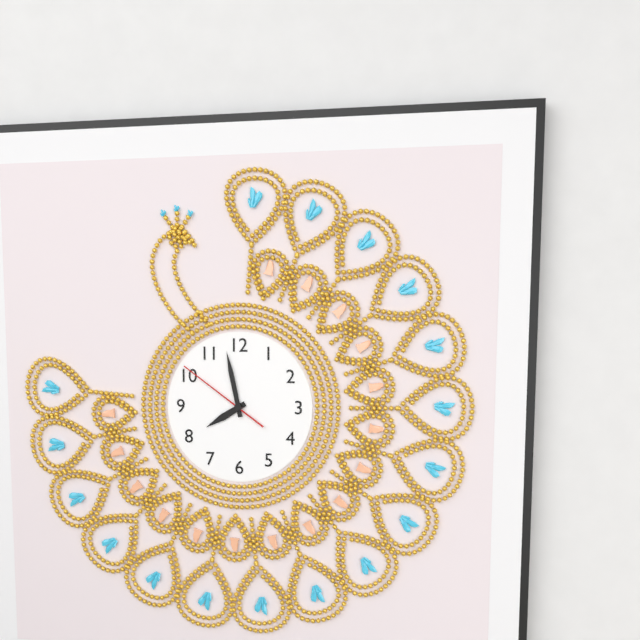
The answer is **7:58:51**
